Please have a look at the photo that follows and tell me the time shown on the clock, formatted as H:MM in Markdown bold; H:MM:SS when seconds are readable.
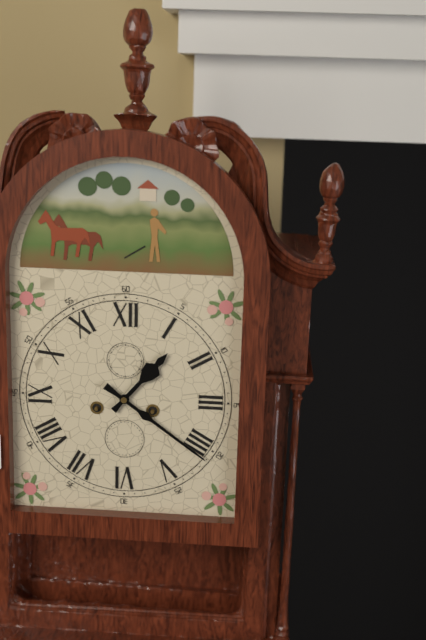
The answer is **1:21**
